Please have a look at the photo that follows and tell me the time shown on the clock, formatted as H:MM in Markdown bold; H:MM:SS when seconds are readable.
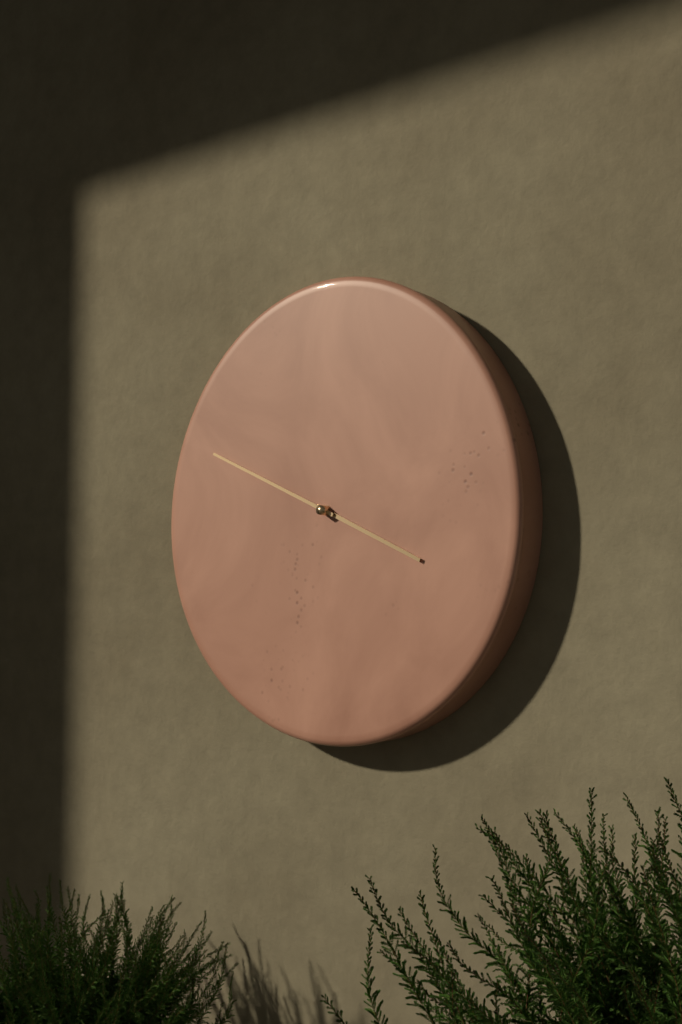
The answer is **3:49**
